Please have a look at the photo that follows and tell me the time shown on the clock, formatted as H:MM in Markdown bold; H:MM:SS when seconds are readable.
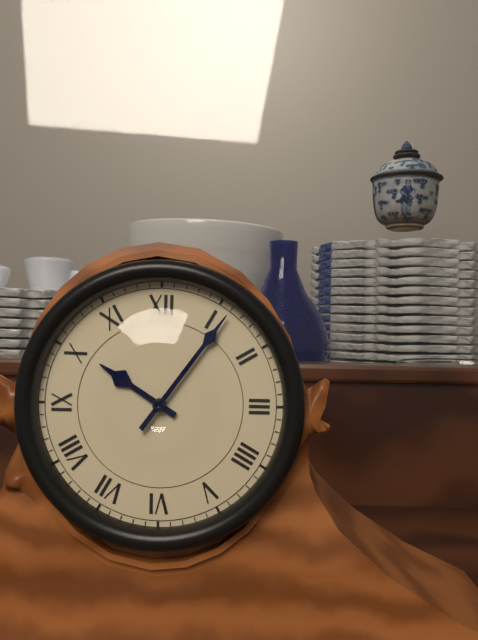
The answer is **10:06**
